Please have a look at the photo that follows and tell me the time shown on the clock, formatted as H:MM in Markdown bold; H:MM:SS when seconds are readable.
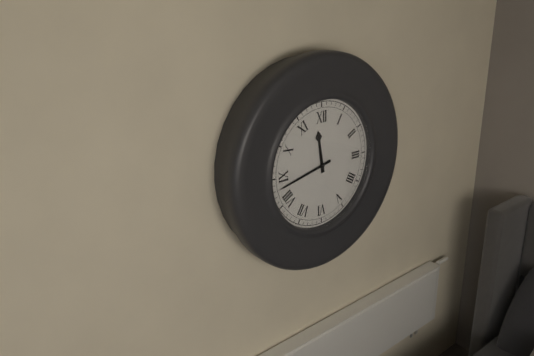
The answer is **11:43**
